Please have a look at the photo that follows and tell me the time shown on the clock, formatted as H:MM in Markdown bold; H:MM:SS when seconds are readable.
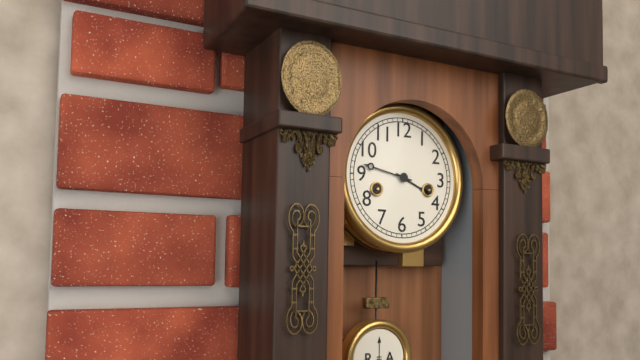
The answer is **3:47**
